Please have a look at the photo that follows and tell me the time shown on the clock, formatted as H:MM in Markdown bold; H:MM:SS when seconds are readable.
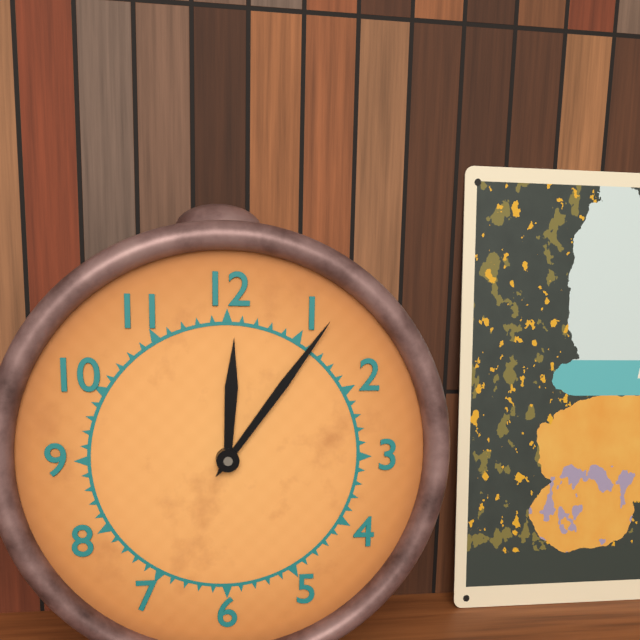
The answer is **12:06**
